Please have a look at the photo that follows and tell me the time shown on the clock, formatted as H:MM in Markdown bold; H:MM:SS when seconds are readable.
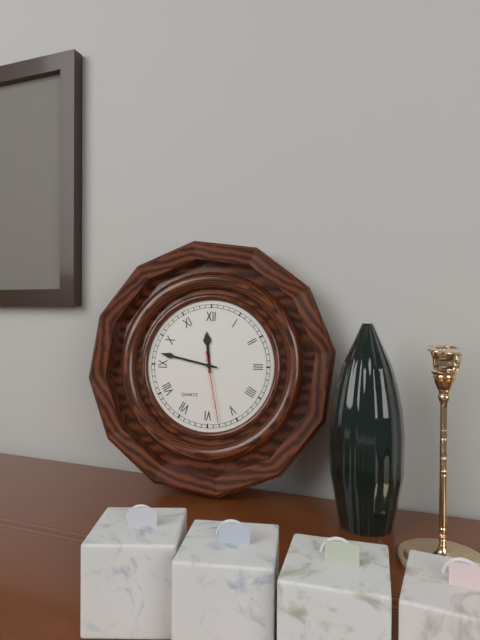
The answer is **11:47:28**
